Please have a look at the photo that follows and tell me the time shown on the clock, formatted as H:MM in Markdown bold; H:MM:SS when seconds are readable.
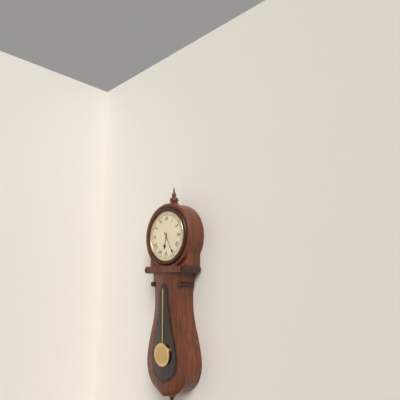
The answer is **6:25**
